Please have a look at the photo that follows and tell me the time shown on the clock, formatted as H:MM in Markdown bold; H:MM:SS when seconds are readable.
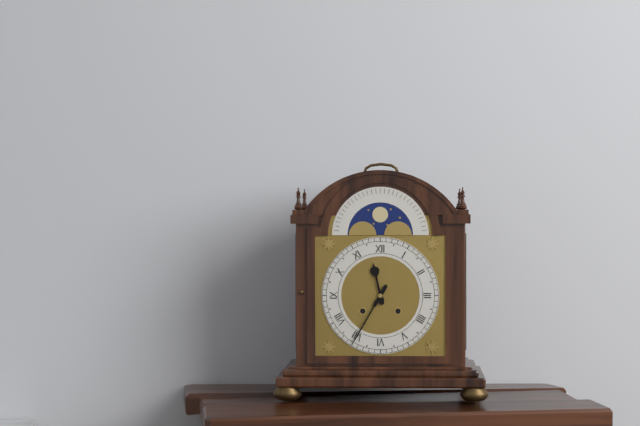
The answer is **11:35**
